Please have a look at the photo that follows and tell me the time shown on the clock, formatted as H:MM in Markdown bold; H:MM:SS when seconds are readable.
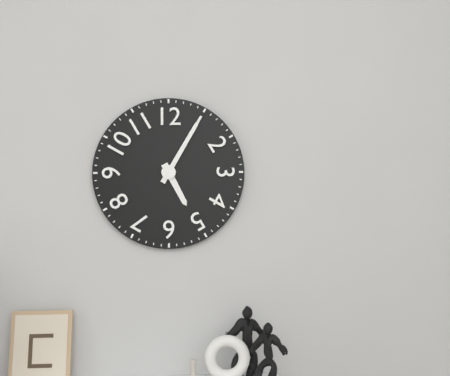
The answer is **5:05**
